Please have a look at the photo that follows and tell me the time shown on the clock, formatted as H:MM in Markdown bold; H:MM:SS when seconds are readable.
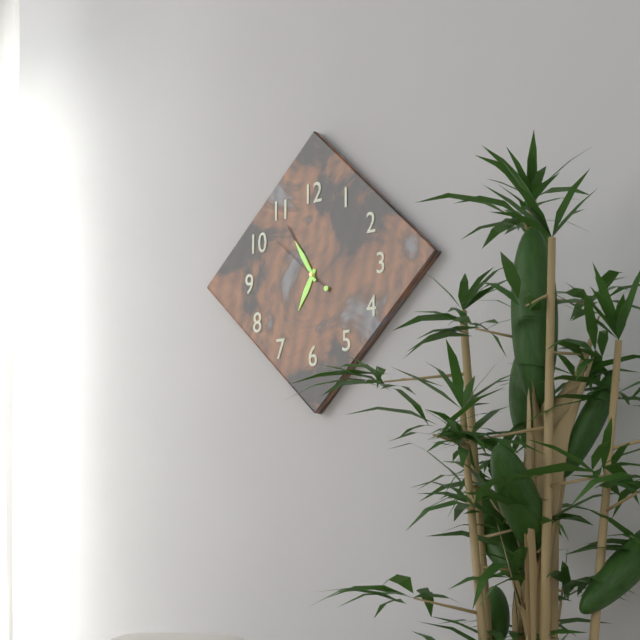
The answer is **6:55:52**
